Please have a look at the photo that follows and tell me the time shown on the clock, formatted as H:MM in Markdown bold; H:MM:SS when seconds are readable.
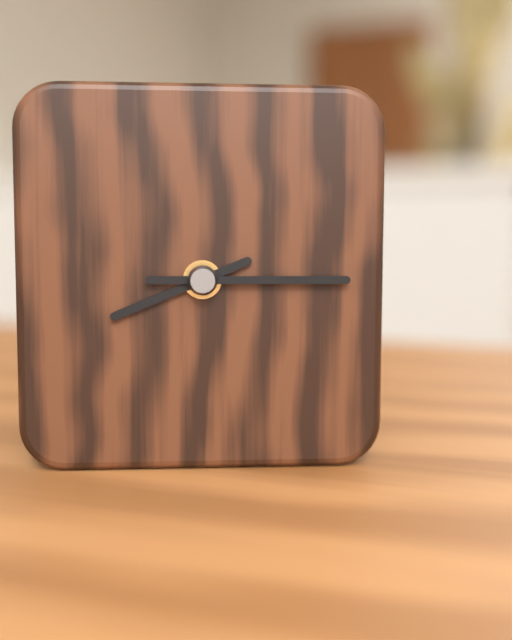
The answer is **8:15**
